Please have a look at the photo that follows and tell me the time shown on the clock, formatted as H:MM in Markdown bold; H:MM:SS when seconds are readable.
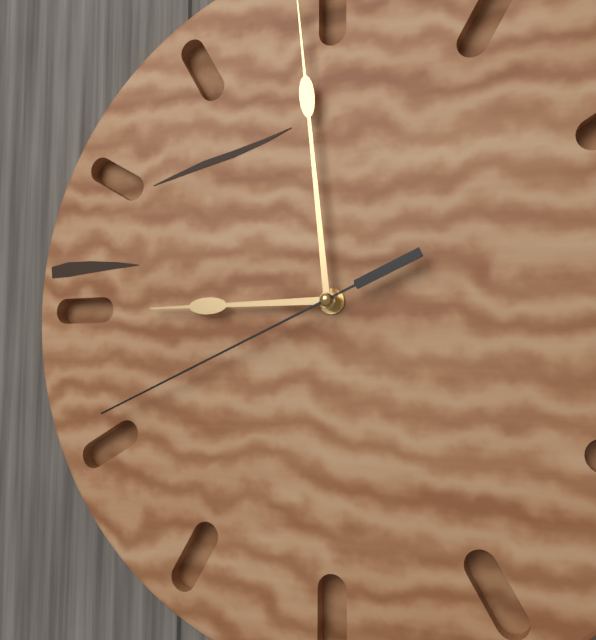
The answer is **8:59:41**
